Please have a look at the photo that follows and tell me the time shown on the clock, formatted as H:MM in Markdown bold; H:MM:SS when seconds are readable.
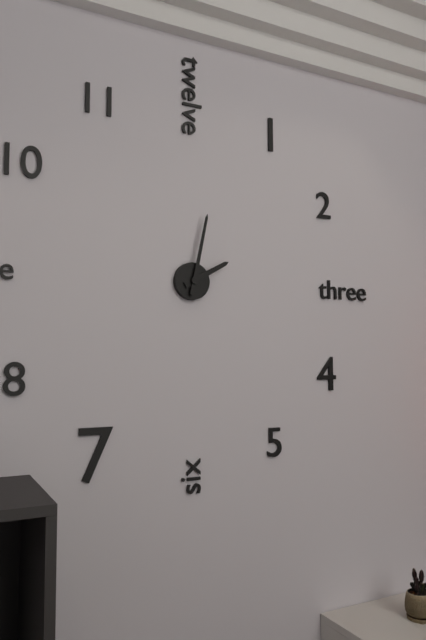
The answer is **2:02**
